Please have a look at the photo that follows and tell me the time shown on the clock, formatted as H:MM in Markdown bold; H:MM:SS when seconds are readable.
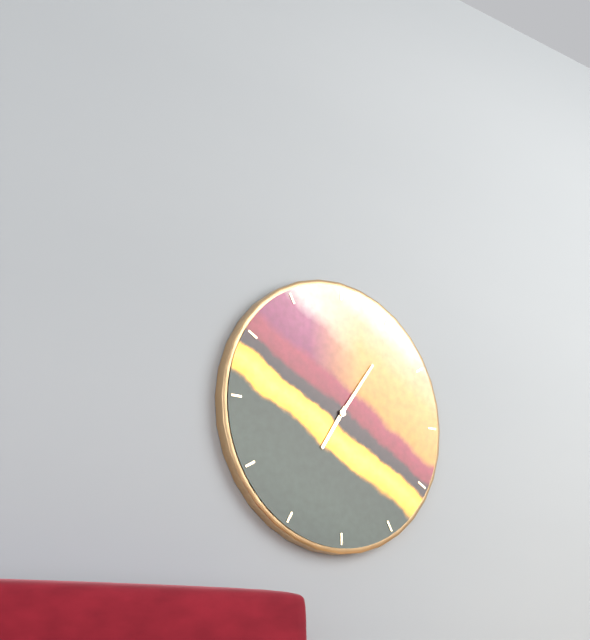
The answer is **7:06**
